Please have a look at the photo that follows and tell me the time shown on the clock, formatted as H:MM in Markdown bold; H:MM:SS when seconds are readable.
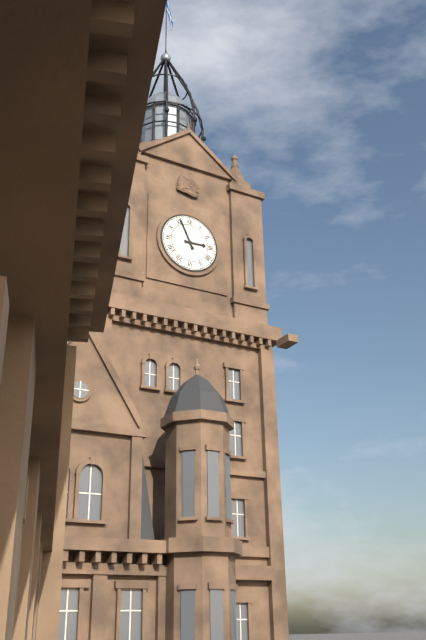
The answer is **2:56**
